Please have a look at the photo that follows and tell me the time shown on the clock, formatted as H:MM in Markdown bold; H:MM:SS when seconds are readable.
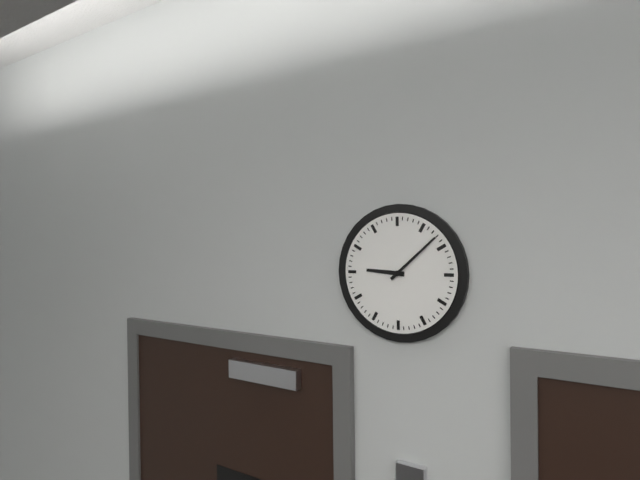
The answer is **9:08**
